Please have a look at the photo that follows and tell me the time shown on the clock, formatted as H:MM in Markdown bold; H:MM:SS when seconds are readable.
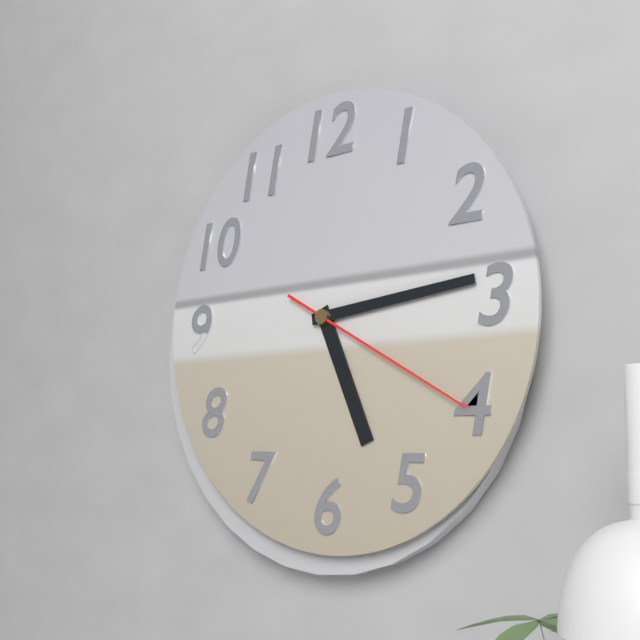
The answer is **5:14:20**
